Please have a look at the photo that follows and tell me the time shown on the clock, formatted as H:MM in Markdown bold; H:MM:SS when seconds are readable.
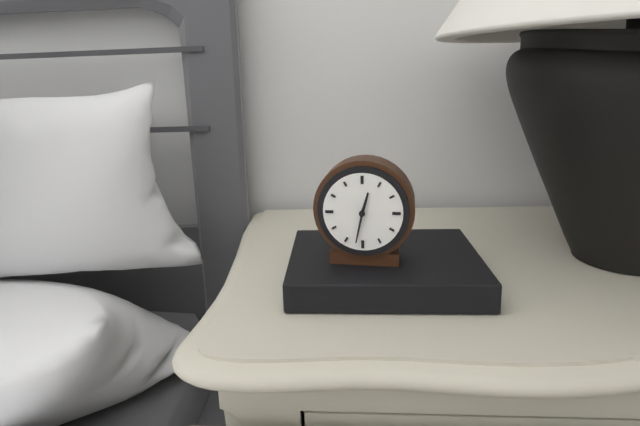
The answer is **12:32**
